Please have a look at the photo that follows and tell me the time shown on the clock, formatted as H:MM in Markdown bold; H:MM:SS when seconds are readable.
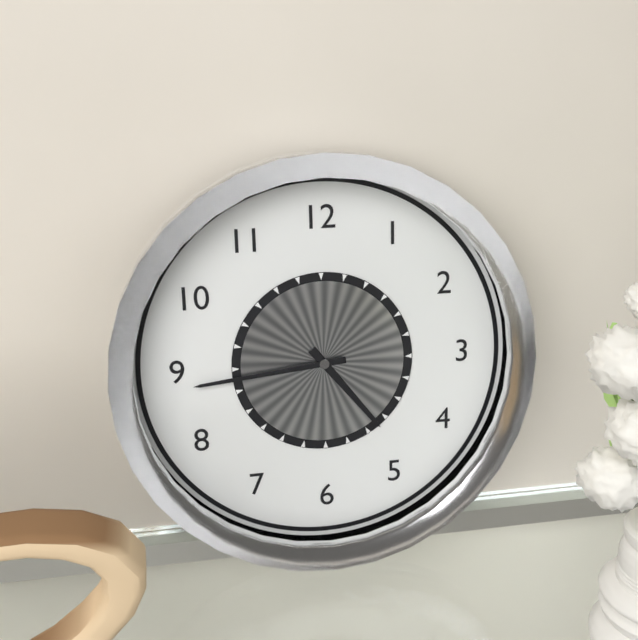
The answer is **4:44**
